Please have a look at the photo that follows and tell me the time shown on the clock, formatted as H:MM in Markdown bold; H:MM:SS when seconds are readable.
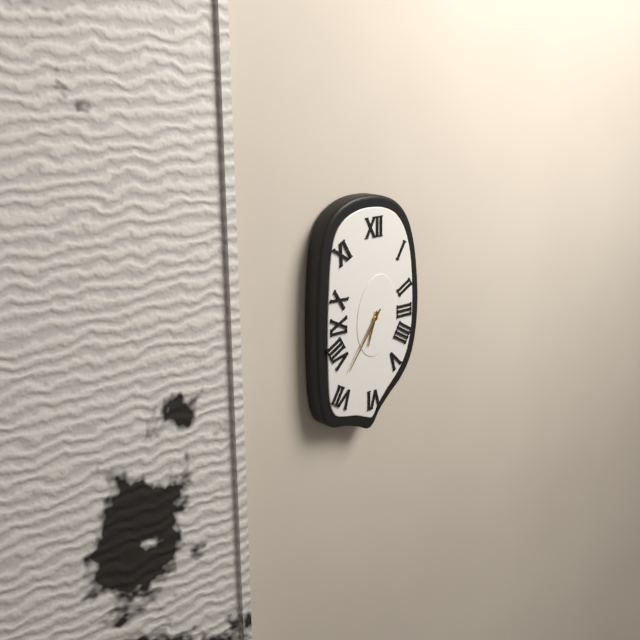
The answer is **6:36**
